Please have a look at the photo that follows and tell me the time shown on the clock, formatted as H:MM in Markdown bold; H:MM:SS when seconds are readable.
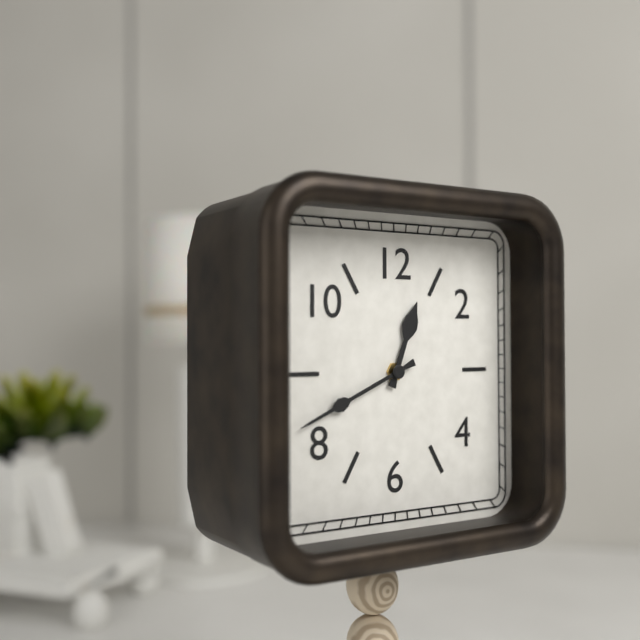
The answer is **12:41**
